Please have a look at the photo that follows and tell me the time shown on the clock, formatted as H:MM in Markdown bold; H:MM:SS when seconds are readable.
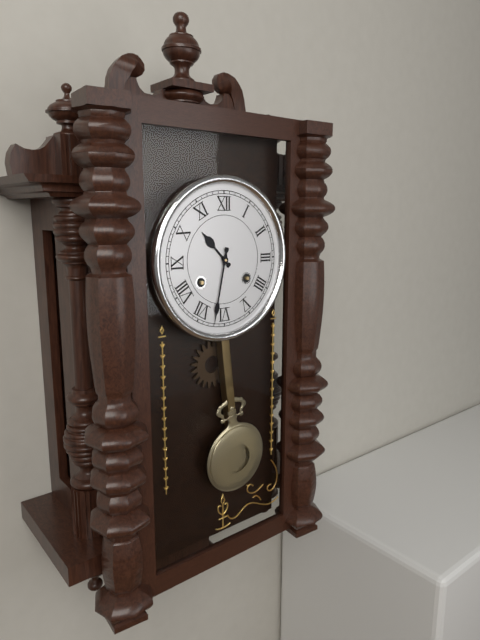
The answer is **10:32**
